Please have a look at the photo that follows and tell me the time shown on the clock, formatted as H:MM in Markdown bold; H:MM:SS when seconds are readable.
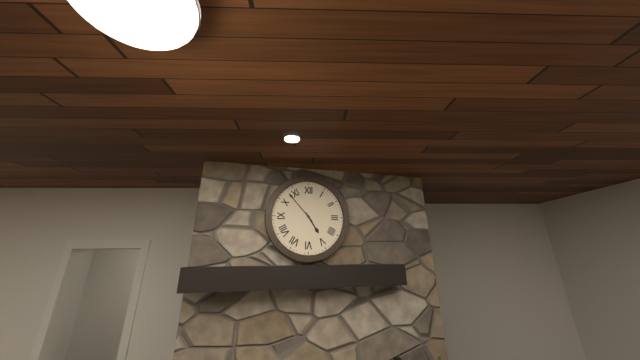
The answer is **4:53**
